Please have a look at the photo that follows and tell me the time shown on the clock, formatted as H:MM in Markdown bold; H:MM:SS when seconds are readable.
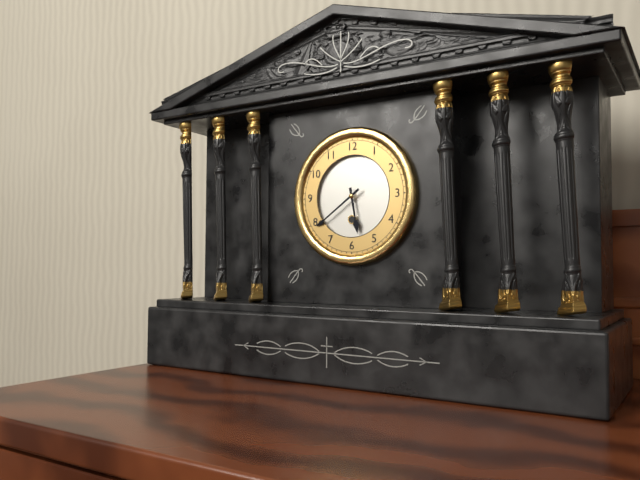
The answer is **5:39**
